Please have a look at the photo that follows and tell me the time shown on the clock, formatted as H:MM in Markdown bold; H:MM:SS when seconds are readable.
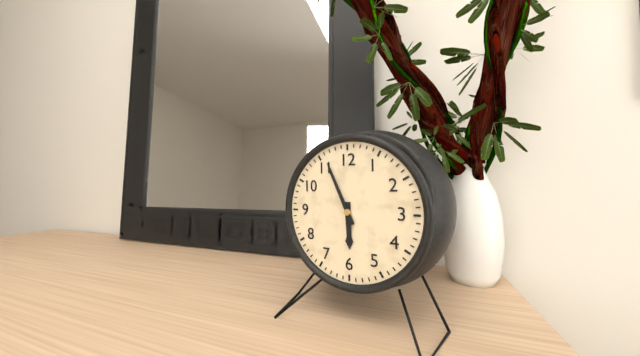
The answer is **5:56**
